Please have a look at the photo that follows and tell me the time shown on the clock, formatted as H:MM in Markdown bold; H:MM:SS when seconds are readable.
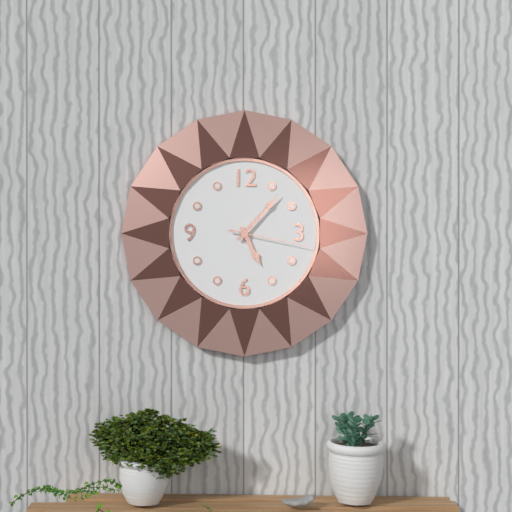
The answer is **5:07:17**
